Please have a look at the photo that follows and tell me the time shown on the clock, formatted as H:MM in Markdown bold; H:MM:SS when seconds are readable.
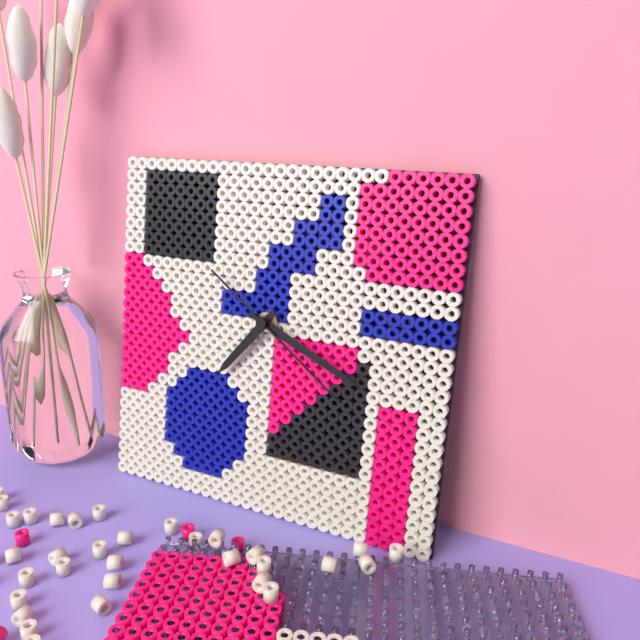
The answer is **7:19:21**
